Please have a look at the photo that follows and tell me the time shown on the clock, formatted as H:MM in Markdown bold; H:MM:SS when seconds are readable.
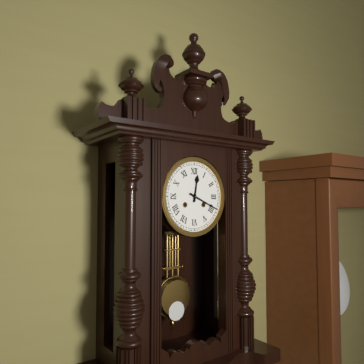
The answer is **12:19**
